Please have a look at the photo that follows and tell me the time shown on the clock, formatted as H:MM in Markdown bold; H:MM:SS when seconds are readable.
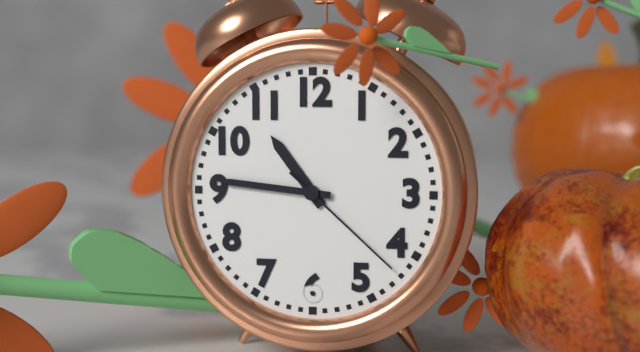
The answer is **10:46:22**
